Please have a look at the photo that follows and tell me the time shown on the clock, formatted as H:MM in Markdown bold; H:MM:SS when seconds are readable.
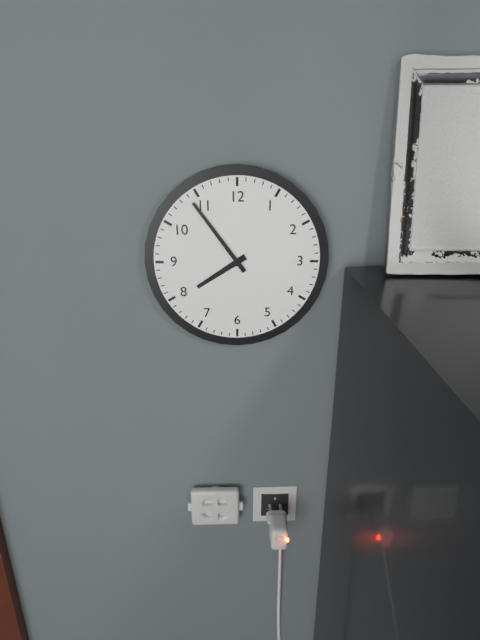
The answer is **7:54**
